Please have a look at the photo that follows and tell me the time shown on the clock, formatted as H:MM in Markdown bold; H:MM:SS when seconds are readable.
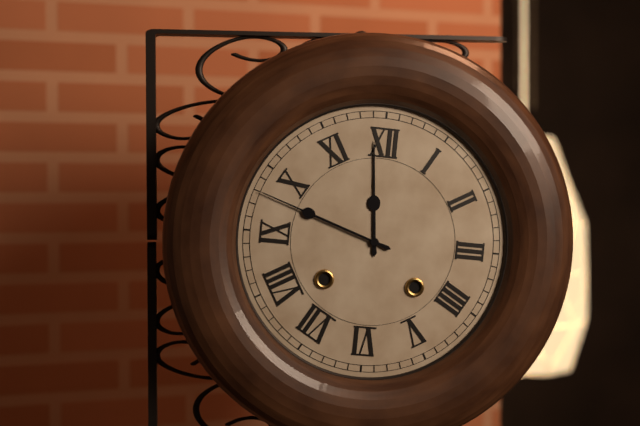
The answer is **11:48**
